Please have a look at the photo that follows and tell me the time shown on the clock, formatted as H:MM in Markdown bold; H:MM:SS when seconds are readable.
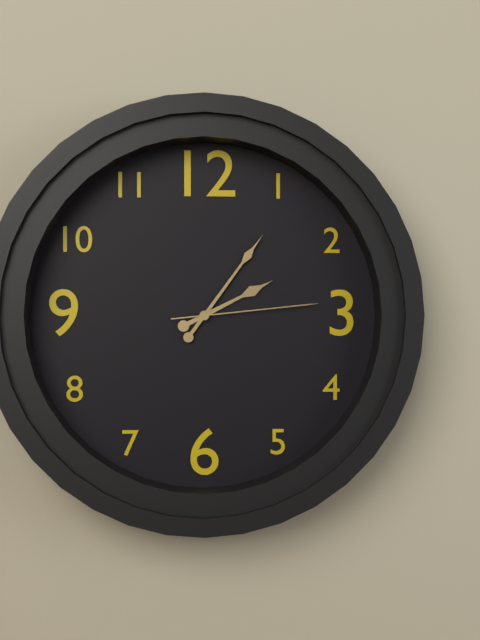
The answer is **2:06:14**
